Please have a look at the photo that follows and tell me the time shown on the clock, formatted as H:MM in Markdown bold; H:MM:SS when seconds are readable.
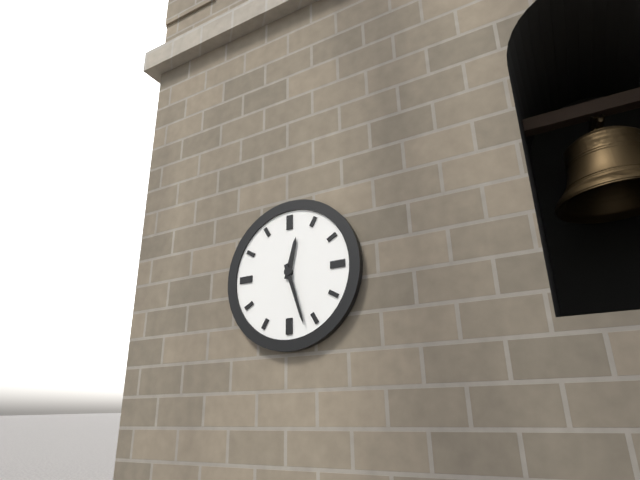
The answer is **12:27**
